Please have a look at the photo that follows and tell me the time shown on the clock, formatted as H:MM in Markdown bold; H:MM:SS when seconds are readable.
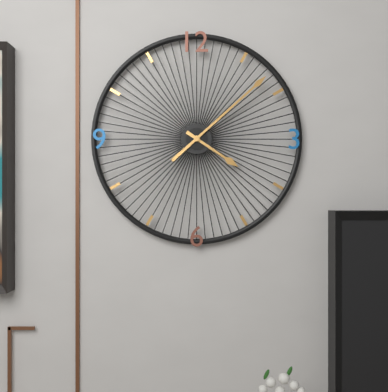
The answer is **4:08**
